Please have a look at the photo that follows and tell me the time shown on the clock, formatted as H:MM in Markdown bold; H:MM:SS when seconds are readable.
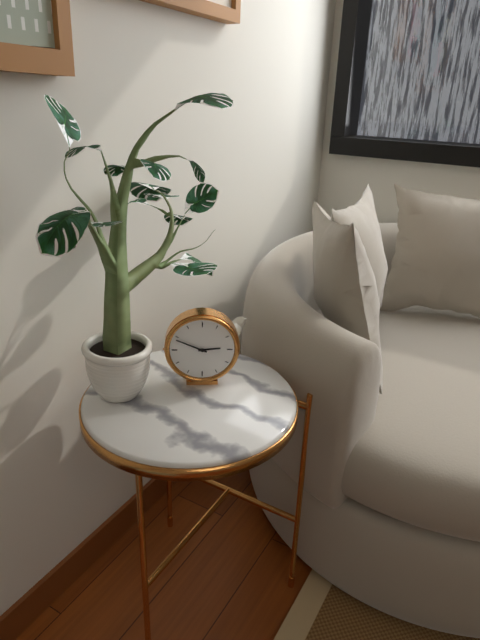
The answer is **2:49**
